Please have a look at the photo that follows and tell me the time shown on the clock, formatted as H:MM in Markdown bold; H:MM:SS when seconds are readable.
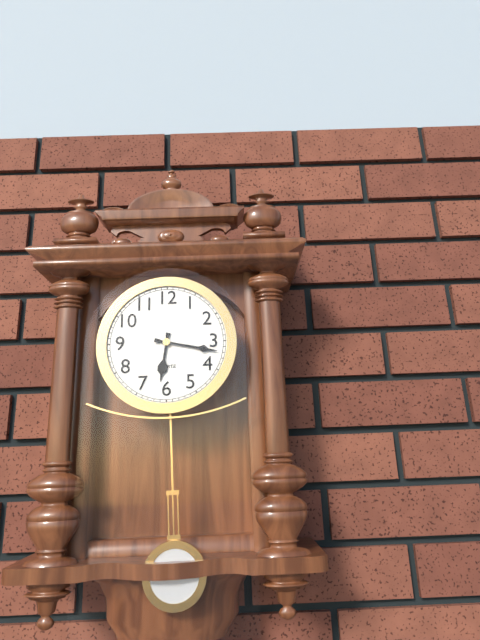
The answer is **6:17**
